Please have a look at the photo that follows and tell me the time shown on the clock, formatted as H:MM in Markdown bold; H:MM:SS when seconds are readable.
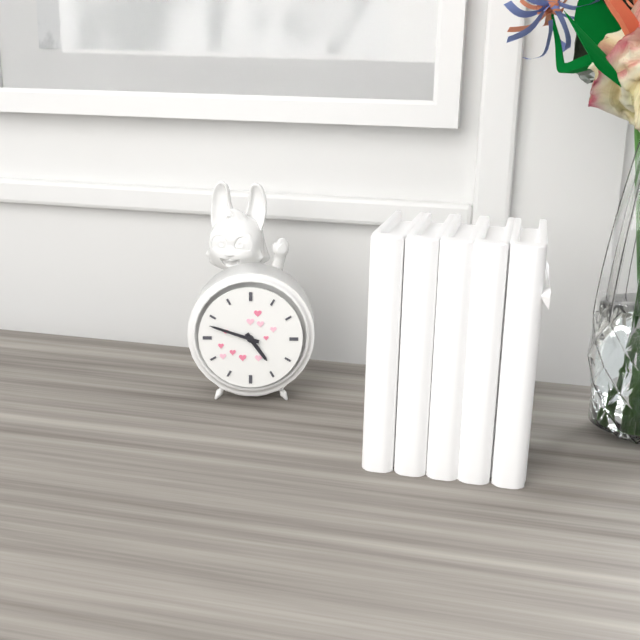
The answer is **4:48**
